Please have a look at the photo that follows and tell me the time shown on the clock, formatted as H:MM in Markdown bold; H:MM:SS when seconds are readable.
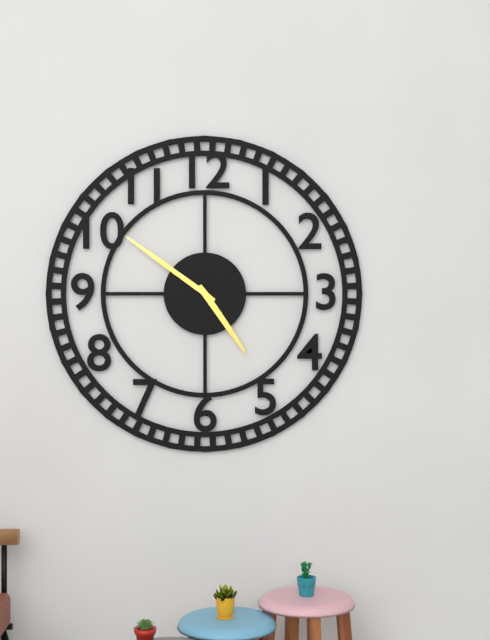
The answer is **4:51**
